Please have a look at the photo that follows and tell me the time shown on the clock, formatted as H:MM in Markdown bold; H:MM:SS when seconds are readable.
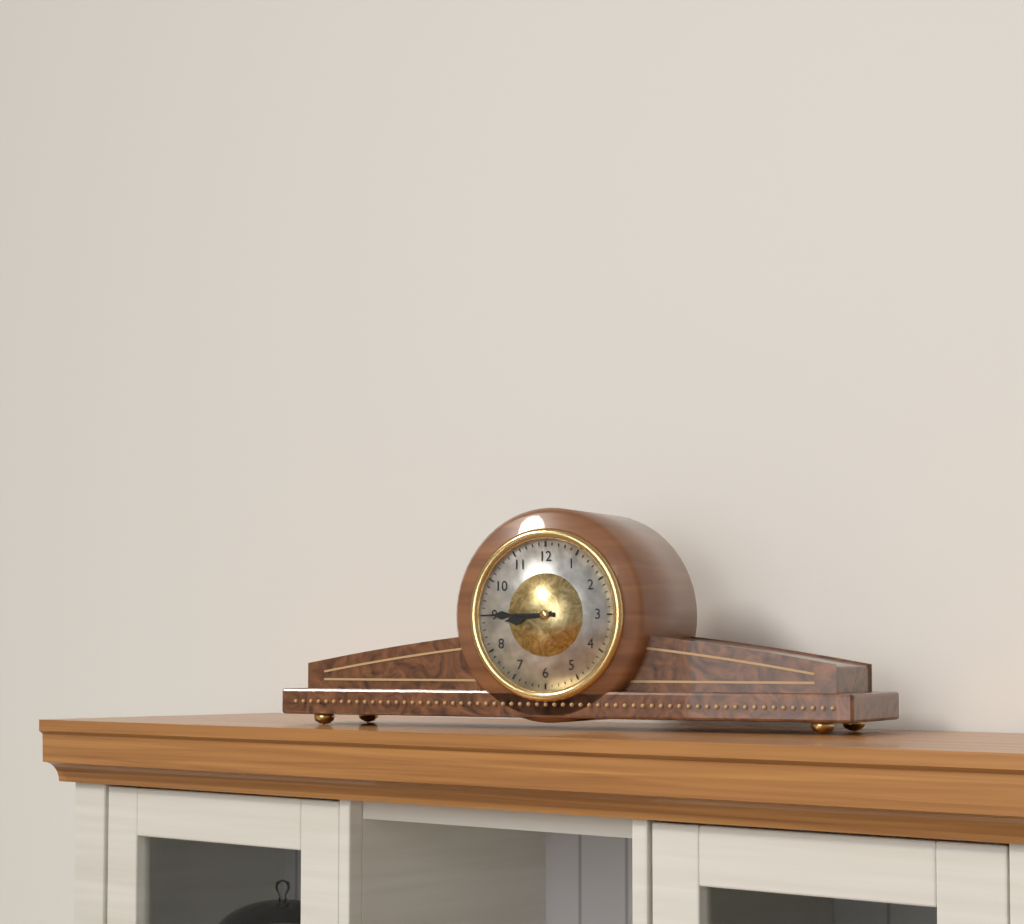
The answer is **8:45**
